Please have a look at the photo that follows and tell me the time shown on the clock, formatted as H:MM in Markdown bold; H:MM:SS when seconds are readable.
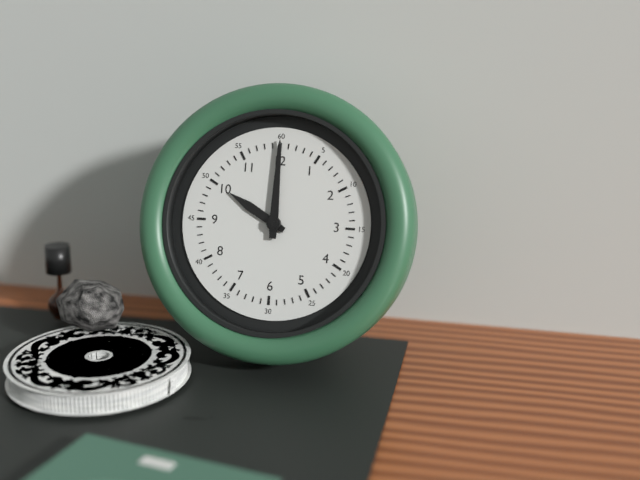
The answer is **10:00**
